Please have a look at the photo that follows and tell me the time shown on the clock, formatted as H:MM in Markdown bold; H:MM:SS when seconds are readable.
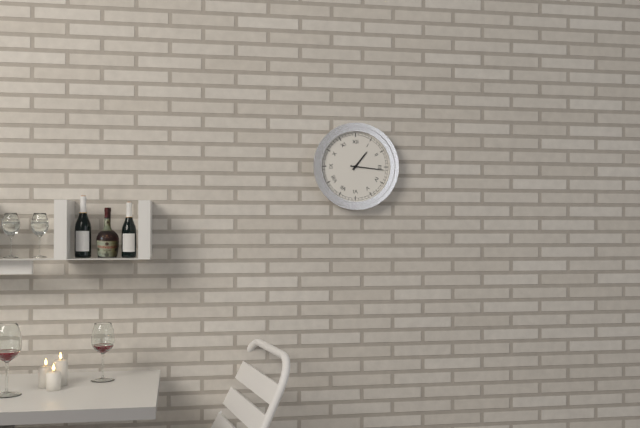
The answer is **1:16**
